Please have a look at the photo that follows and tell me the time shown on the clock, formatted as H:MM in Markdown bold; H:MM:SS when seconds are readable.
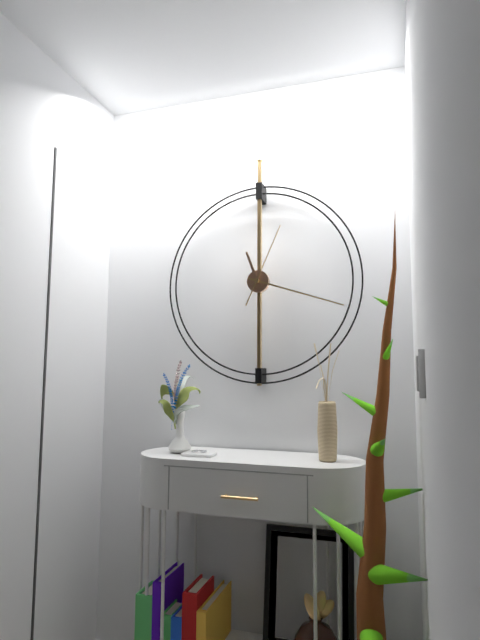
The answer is **11:18:04**
